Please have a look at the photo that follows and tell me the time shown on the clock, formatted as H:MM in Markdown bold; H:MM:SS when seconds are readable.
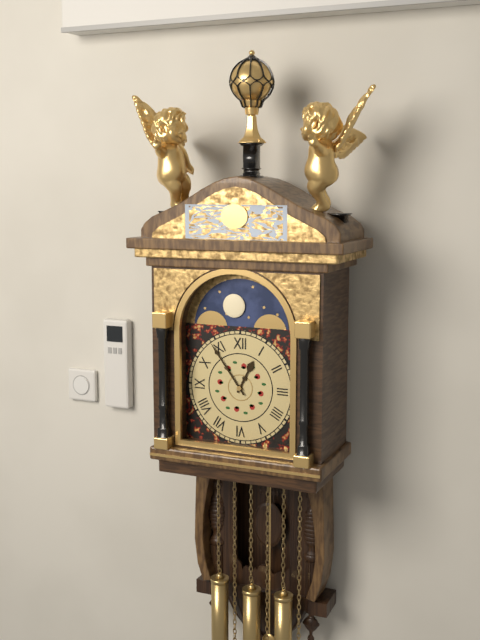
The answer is **12:54**
